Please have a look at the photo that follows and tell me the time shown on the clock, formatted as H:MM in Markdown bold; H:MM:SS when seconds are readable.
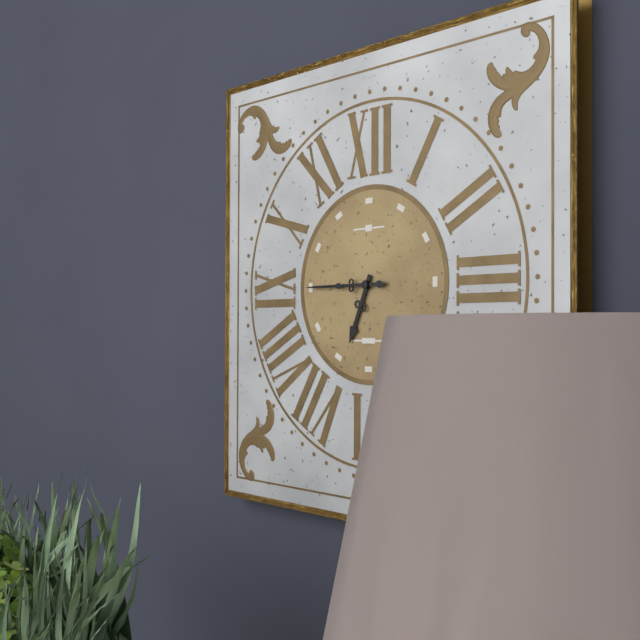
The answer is **6:45**
